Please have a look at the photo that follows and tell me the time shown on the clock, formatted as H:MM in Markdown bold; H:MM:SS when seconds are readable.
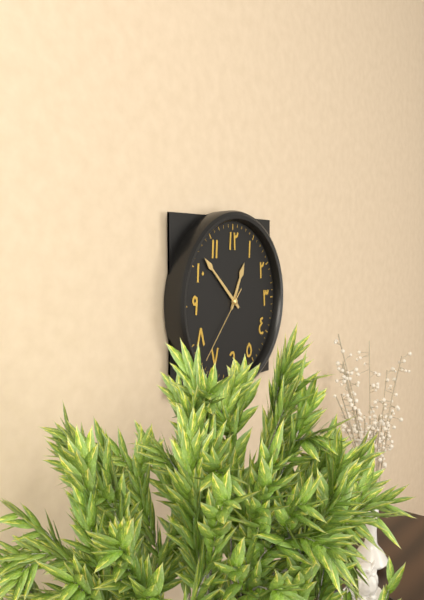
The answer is **12:52:37**
